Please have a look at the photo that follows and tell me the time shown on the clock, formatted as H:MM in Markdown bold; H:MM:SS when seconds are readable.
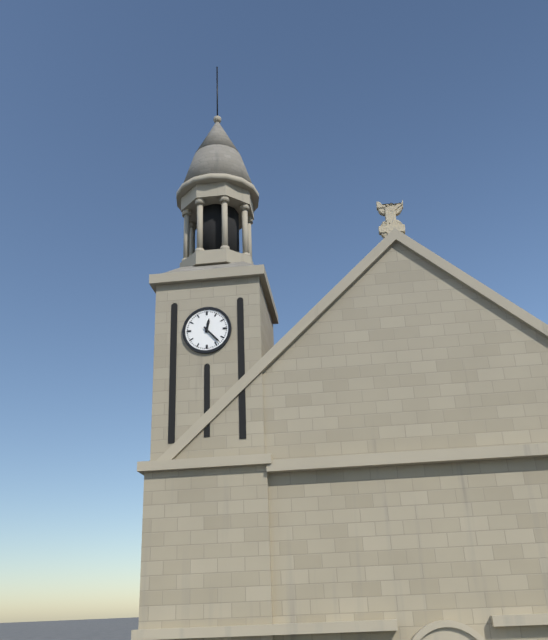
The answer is **12:23**
